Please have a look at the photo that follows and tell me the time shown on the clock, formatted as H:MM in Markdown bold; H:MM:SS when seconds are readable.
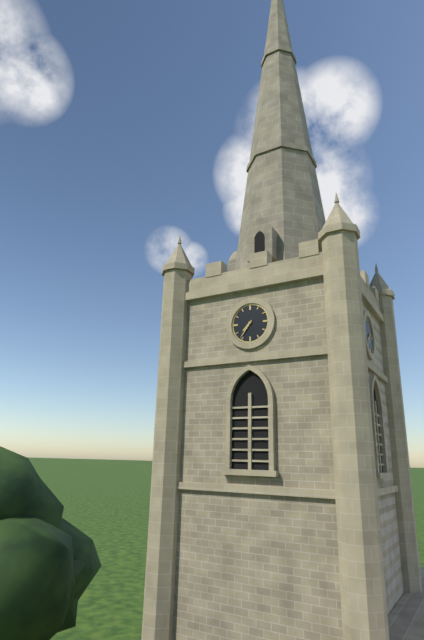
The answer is **7:36**
